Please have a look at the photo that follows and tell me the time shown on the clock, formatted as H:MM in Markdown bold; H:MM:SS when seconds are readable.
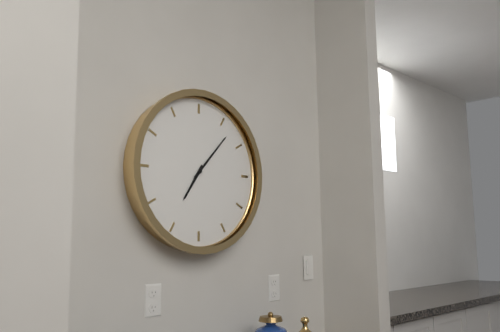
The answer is **7:07**
